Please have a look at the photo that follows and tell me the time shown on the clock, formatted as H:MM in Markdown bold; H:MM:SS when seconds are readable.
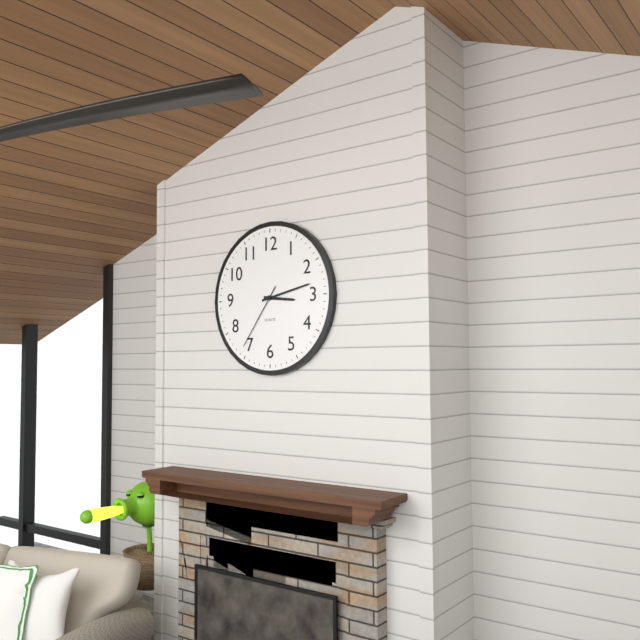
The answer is **3:13:36**
